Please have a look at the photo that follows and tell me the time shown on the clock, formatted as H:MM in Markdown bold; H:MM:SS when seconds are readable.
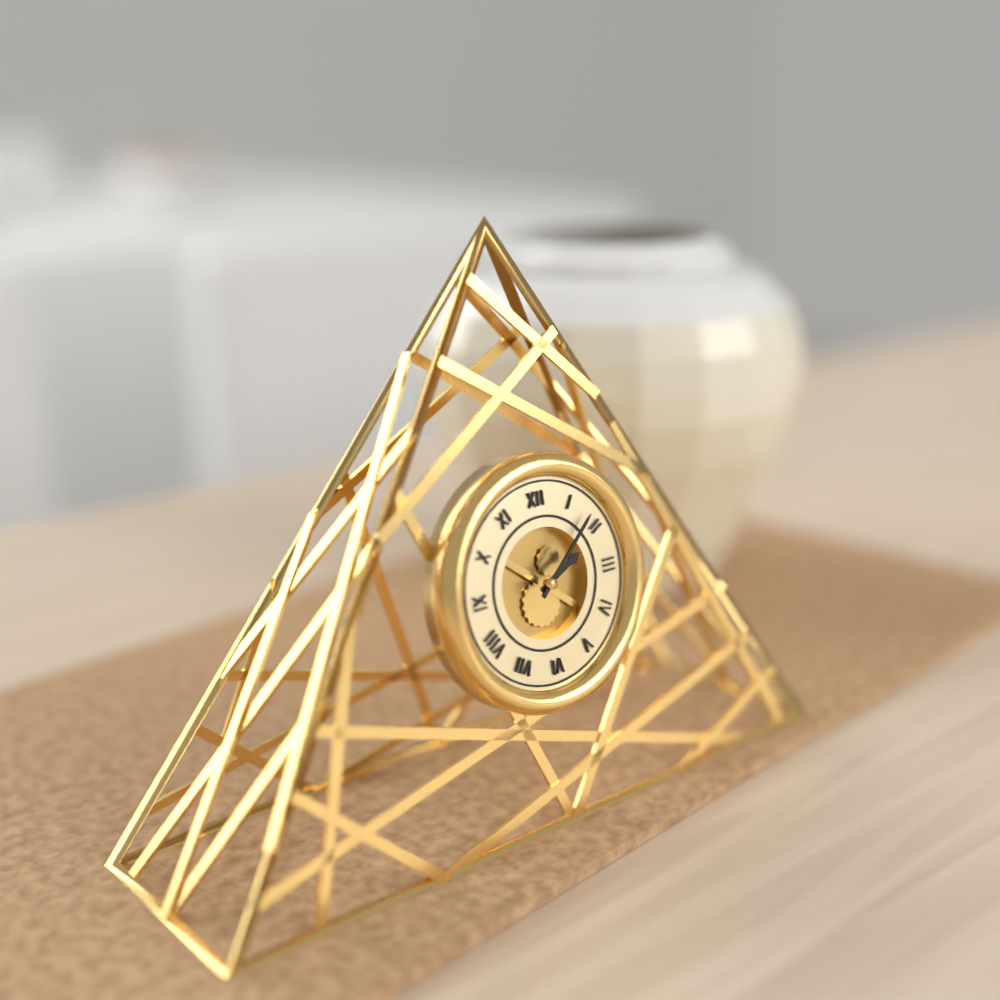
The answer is **2:08**
